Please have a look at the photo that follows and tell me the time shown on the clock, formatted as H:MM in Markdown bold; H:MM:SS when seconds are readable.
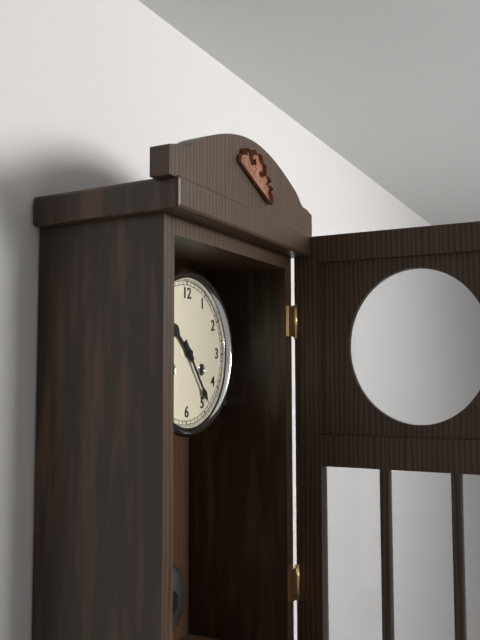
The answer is **10:24**
